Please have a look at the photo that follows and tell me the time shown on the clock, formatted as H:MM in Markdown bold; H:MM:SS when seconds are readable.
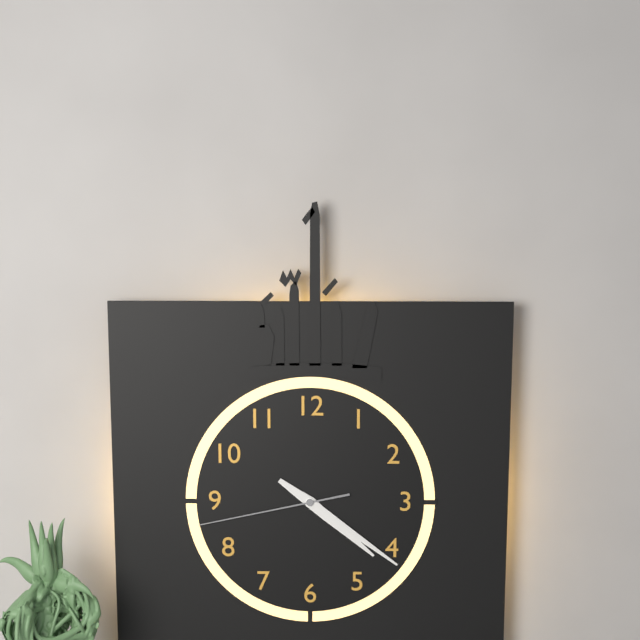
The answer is **4:21:43**
